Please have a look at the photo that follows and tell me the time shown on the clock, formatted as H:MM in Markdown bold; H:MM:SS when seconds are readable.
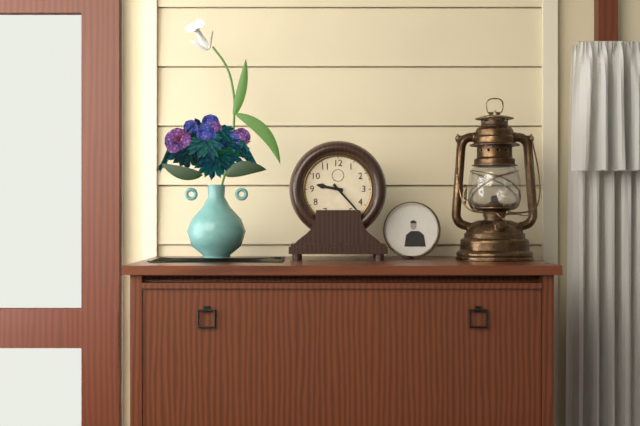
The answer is **9:23**
